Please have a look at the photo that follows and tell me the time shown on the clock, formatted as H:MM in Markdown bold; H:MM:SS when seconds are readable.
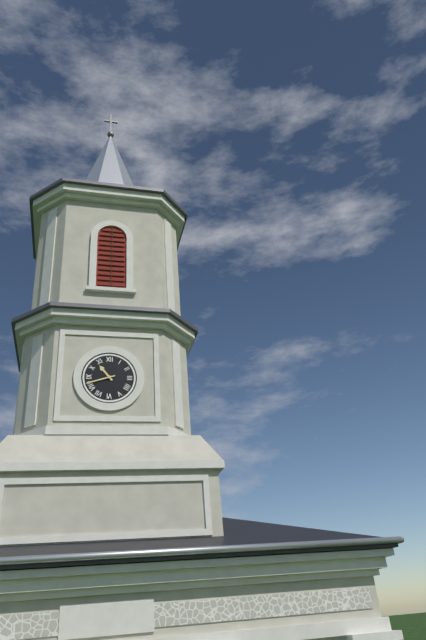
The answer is **10:42**
